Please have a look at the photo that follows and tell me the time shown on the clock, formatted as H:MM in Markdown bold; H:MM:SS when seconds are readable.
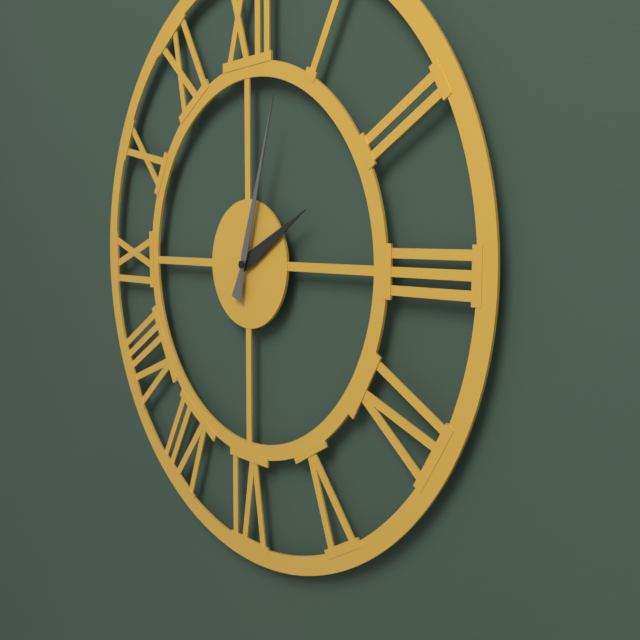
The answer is **2:03**
